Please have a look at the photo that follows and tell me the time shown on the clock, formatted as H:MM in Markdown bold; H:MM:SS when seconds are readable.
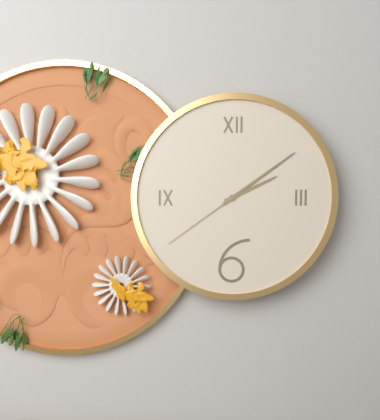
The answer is **2:09:39**
